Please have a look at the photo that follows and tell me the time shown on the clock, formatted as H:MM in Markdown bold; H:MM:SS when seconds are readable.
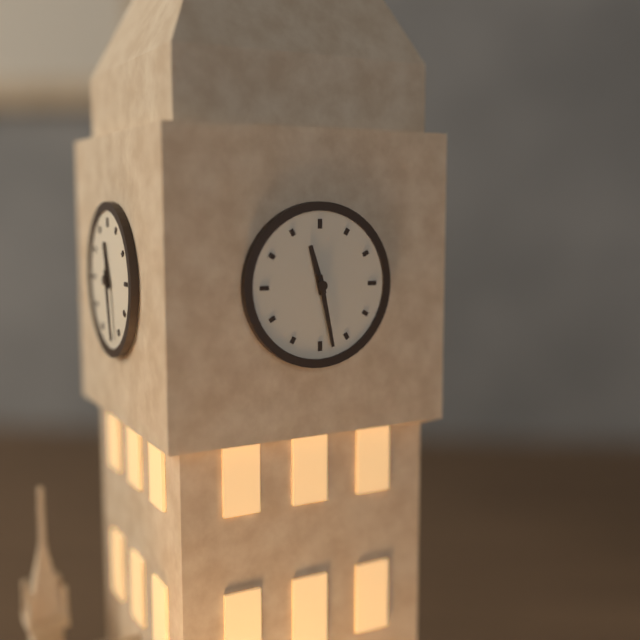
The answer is **11:28**
